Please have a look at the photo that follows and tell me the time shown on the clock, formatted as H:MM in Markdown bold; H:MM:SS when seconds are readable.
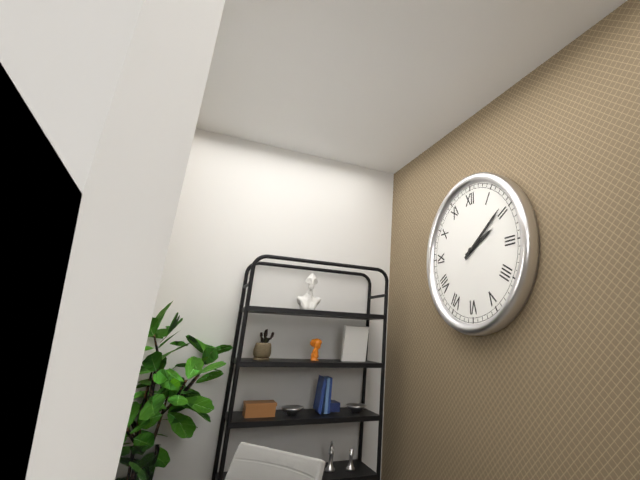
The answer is **2:09**
